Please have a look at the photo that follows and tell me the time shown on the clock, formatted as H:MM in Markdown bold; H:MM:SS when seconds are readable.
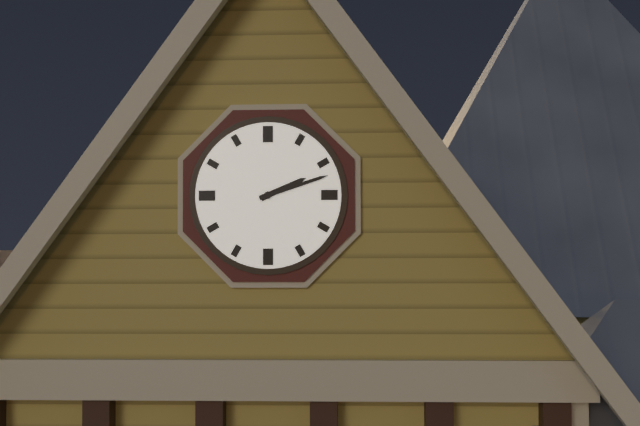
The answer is **2:12**
